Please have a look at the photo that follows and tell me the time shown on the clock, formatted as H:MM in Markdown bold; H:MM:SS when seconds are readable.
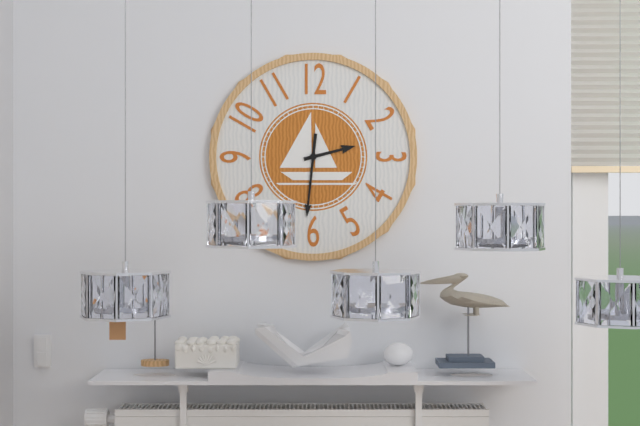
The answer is **2:31**
